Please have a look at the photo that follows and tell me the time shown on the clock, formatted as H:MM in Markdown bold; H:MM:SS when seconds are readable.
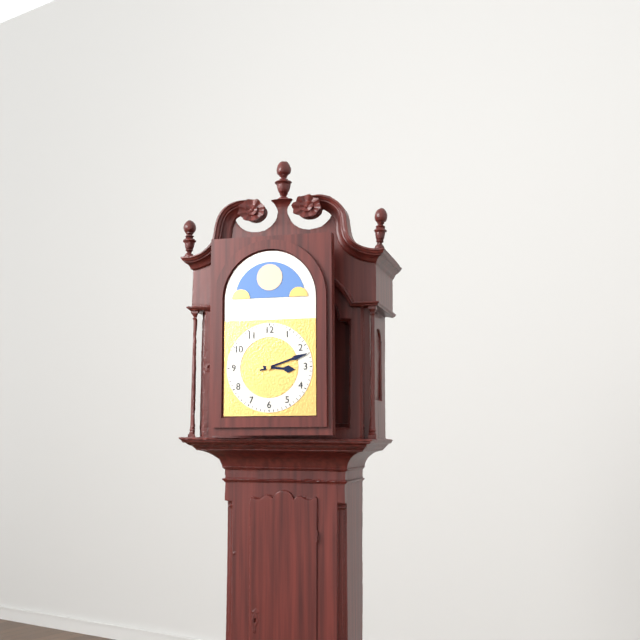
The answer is **3:12**
